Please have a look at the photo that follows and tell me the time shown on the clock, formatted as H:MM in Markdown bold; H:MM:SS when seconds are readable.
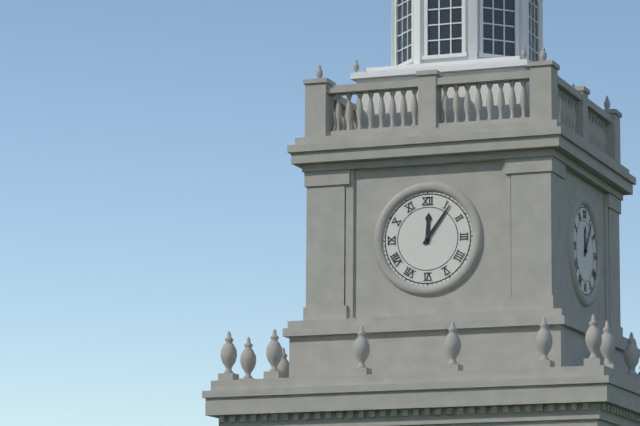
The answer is **12:06**
